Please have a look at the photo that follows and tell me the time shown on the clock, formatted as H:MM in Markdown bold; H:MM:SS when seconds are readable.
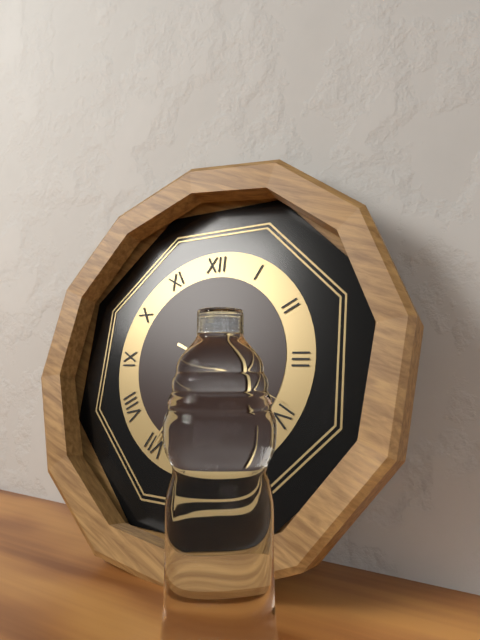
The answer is **5:35:19**
